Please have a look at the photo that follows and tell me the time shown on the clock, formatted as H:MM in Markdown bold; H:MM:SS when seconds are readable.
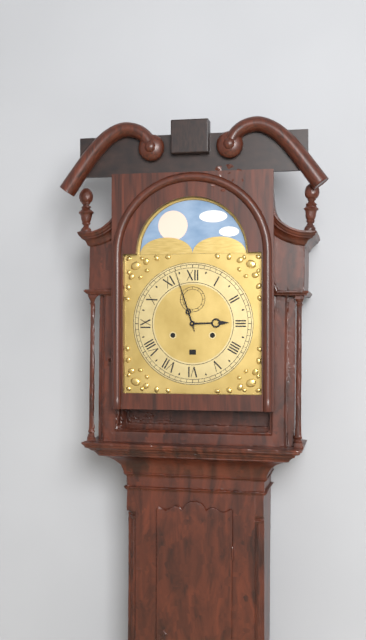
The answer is **2:57**
